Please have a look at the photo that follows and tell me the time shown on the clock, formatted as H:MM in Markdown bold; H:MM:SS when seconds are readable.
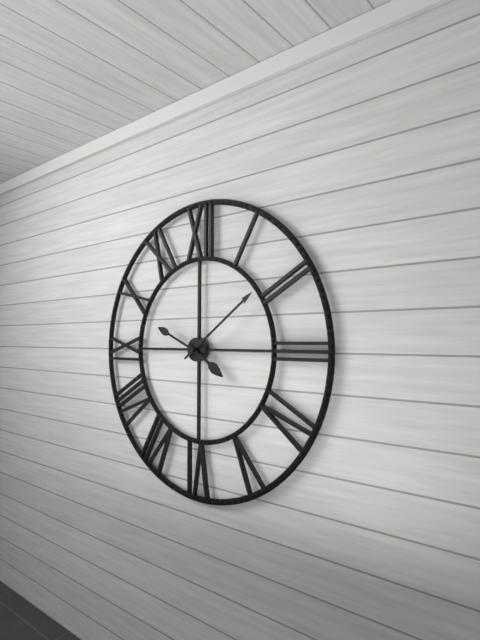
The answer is **4:09:49**
